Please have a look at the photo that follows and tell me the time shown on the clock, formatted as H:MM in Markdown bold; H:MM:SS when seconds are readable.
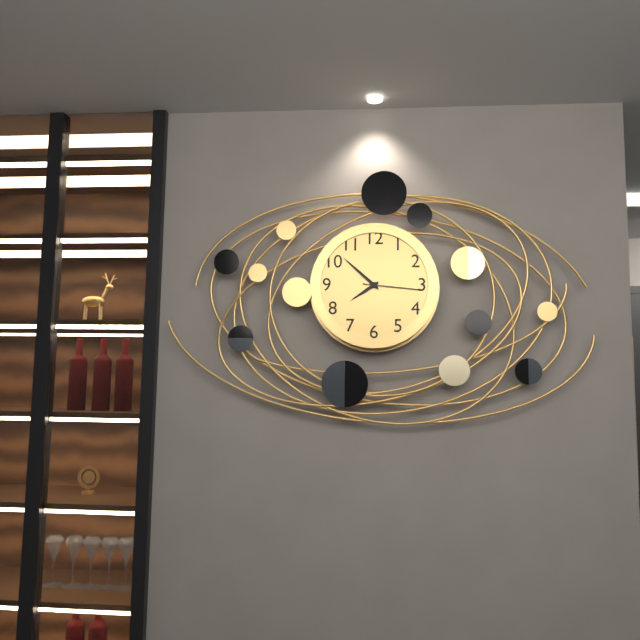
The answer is **7:52:16**
